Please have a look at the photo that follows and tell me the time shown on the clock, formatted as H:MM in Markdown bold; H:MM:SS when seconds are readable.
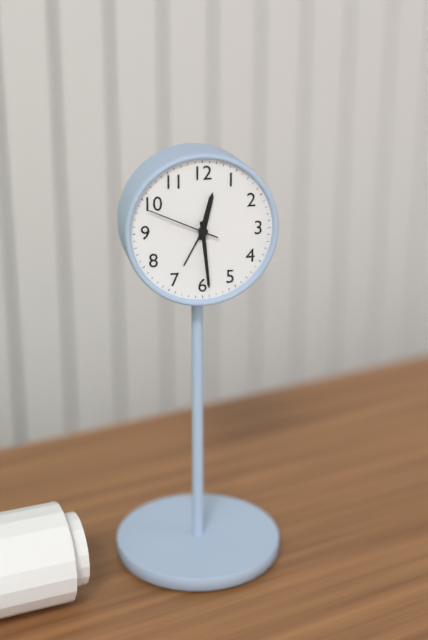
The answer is **12:29:49**
